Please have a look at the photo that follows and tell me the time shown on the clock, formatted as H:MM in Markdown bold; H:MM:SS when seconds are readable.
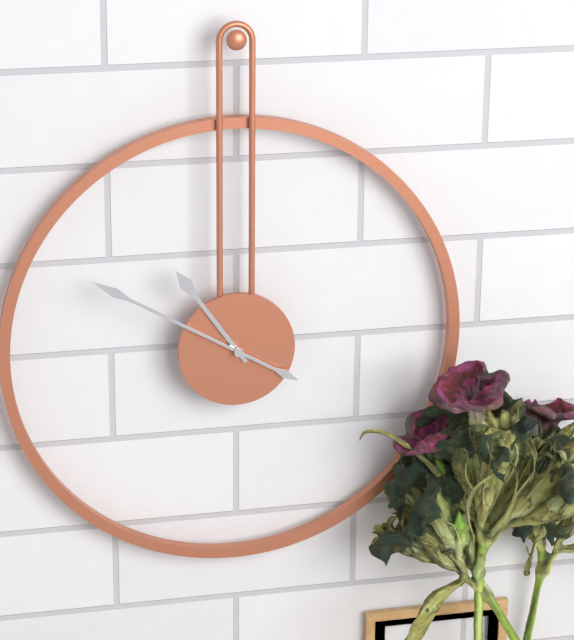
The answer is **10:50**
